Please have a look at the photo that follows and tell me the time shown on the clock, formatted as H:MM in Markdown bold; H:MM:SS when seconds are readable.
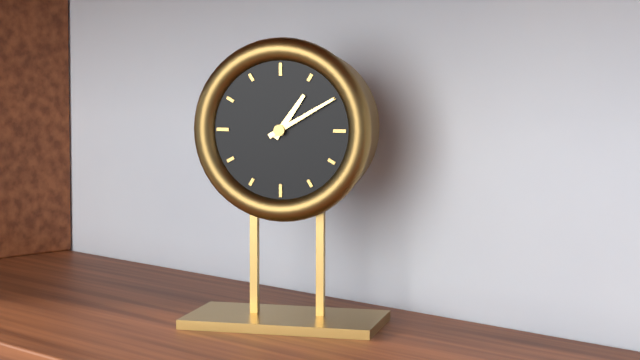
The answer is **1:10**
